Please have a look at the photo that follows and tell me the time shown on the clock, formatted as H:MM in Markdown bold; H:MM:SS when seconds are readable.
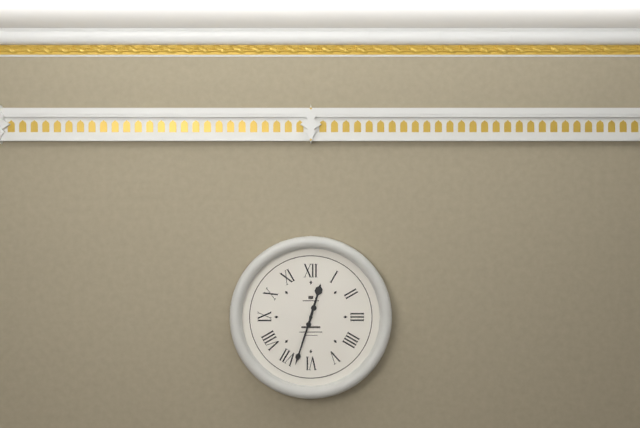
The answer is **12:33**
